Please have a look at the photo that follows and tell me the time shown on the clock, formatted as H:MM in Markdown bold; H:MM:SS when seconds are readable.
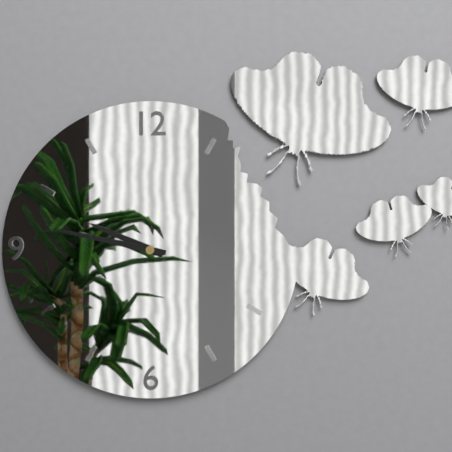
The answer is **9:47**
